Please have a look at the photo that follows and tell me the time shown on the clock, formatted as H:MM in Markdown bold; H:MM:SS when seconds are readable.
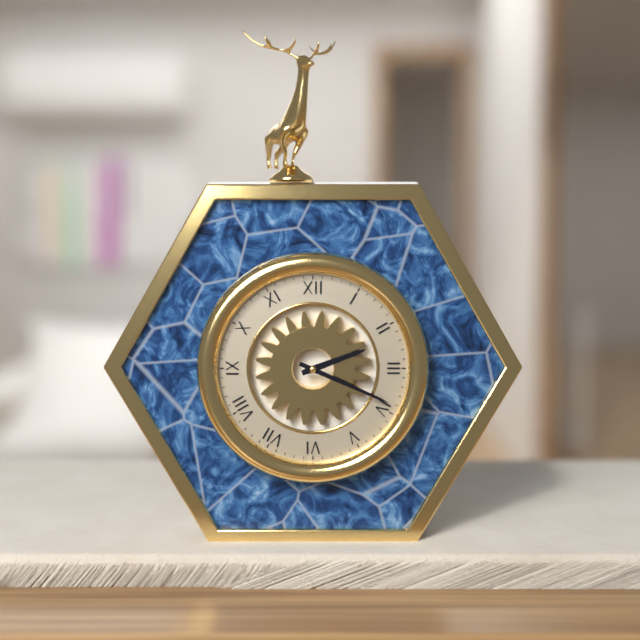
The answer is **2:19**
